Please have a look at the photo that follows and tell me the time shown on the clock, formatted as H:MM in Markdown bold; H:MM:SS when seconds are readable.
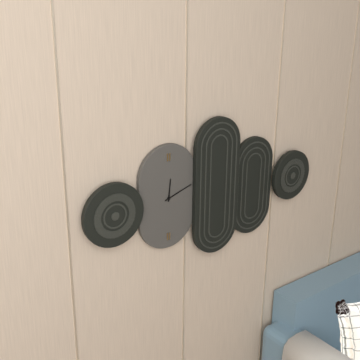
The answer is **12:12**
